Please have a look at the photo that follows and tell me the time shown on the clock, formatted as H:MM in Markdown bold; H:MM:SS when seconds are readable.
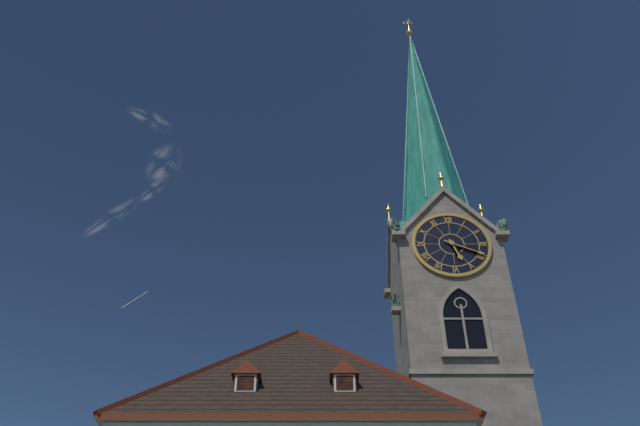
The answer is **5:19**
